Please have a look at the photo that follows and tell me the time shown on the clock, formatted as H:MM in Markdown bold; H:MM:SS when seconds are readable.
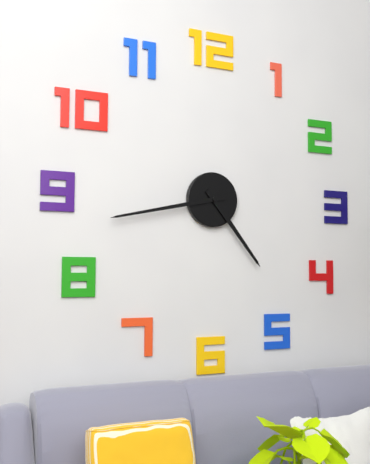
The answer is **4:43**
